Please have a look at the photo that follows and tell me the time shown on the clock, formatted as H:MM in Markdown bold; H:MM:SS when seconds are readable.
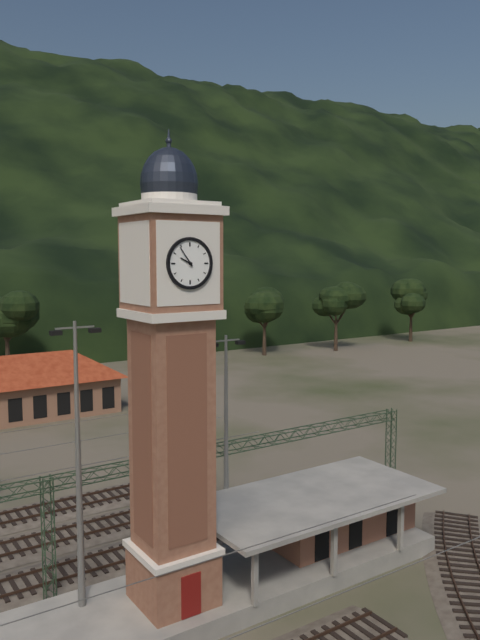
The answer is **9:54**
